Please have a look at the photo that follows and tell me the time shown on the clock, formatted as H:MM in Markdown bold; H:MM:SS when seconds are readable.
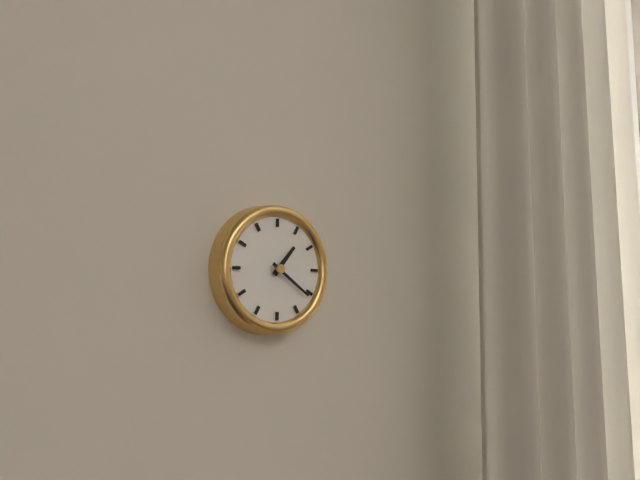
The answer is **1:21**
